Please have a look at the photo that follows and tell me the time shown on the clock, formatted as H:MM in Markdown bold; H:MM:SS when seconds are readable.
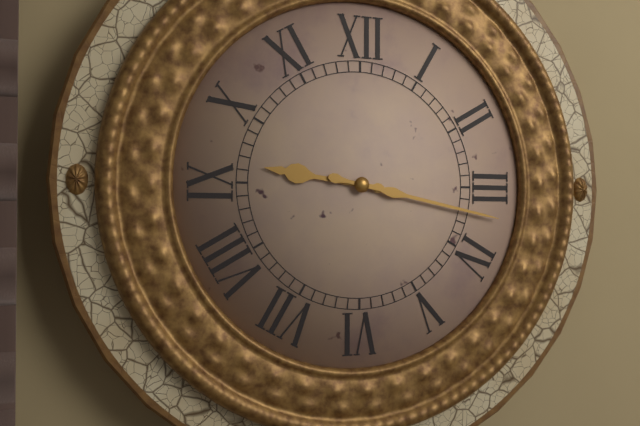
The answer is **9:17**
